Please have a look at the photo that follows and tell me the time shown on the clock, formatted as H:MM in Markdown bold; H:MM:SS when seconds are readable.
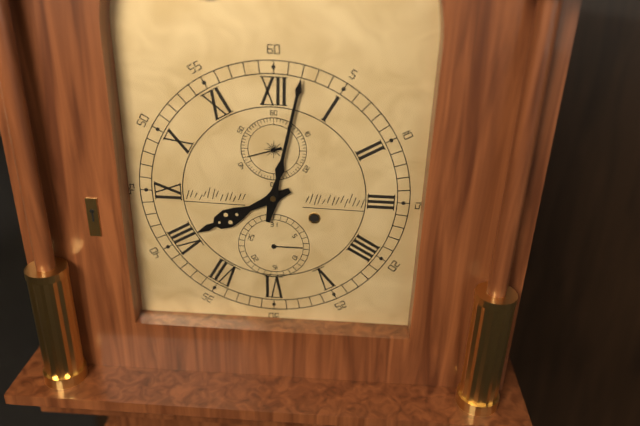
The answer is **8:02**
